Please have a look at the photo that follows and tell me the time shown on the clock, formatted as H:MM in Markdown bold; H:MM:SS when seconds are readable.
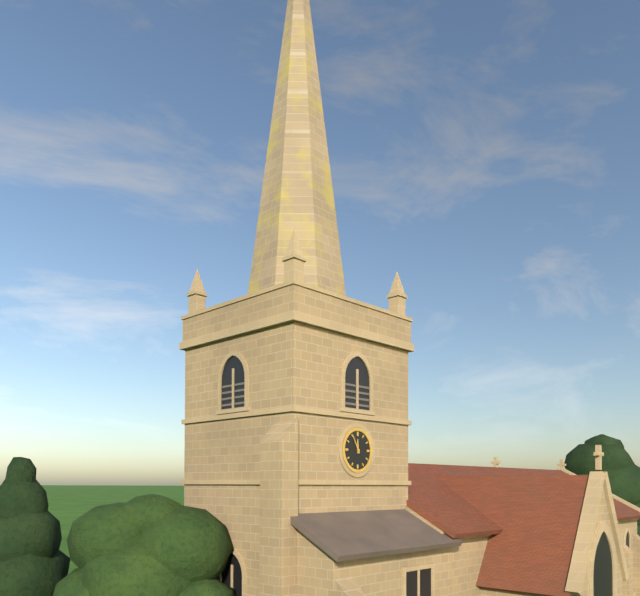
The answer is **11:55**
